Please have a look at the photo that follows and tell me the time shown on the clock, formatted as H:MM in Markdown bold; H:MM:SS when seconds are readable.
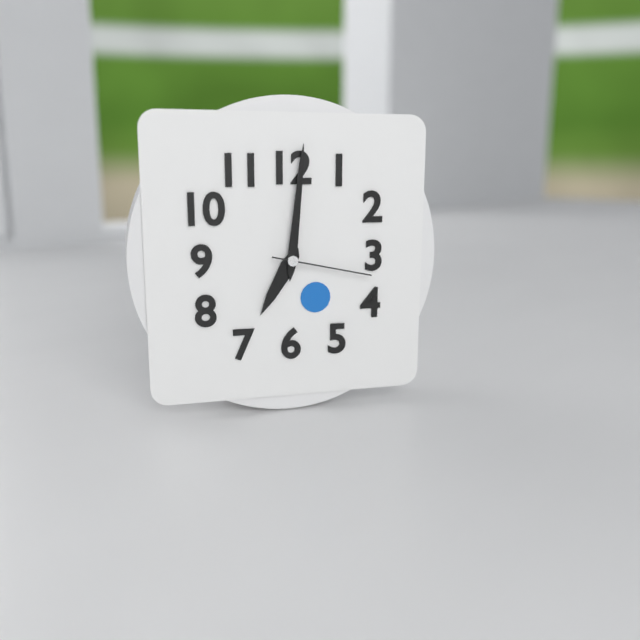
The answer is **7:01:17**
